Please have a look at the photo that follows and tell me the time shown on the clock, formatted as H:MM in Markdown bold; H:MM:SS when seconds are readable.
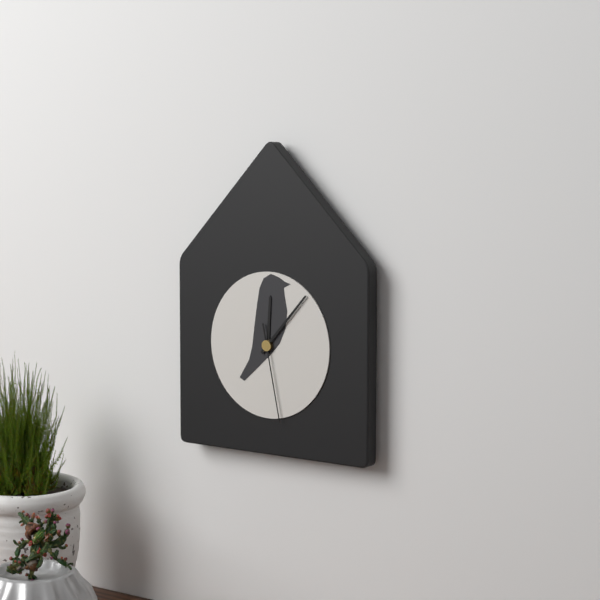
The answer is **12:07:28**
